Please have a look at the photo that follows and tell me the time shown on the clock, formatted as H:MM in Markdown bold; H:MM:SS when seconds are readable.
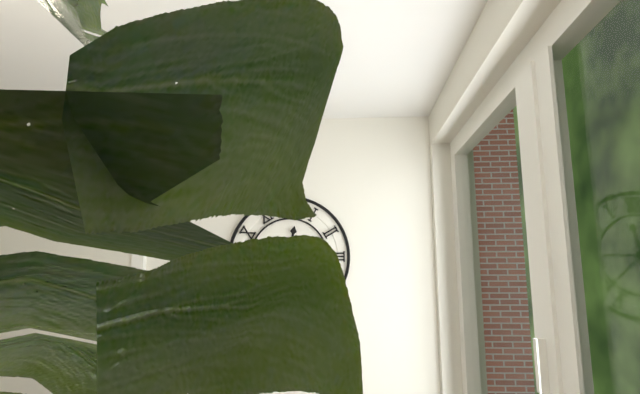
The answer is **12:22**
